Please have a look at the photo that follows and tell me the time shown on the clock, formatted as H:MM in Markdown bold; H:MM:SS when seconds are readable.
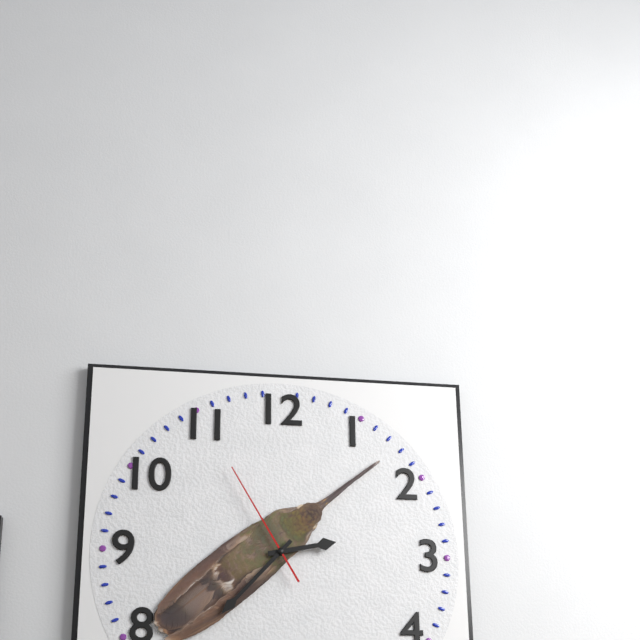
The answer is **2:37:55**
